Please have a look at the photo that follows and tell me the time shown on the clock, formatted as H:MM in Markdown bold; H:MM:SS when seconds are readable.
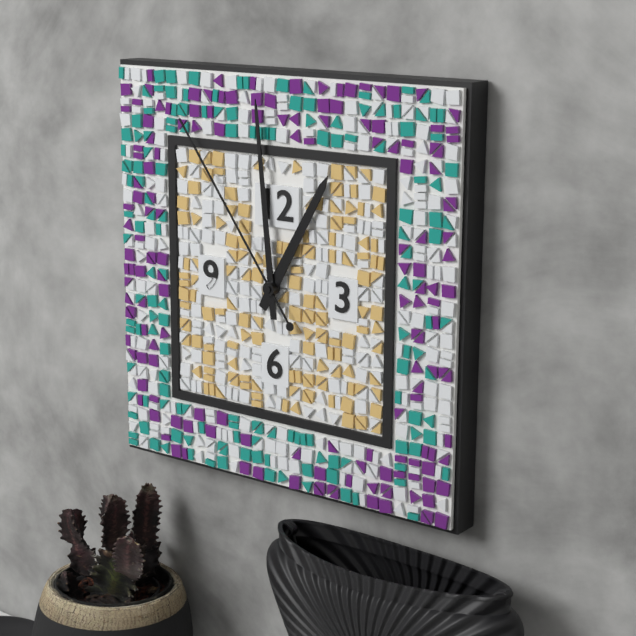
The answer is **12:59:54**
